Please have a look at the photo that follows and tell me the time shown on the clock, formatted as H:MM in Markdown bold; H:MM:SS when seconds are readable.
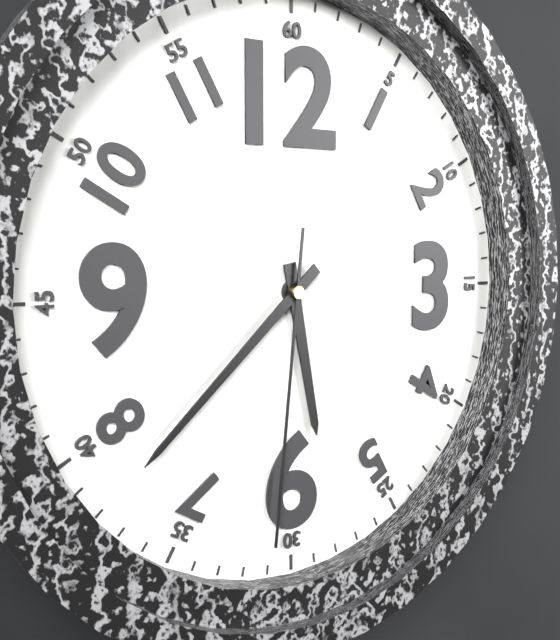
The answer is **5:38:31**
